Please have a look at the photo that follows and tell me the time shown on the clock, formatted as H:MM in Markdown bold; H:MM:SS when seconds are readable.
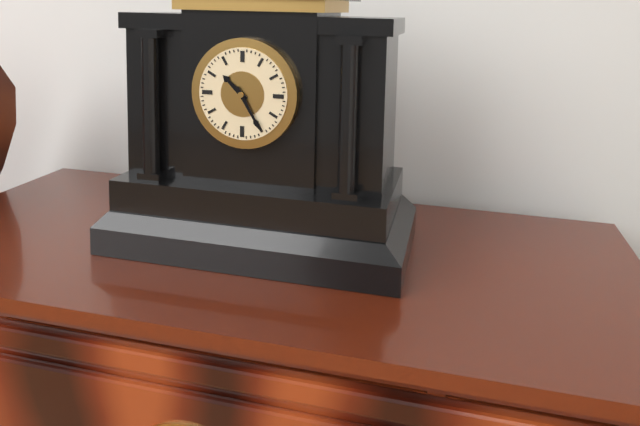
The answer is **10:25**
